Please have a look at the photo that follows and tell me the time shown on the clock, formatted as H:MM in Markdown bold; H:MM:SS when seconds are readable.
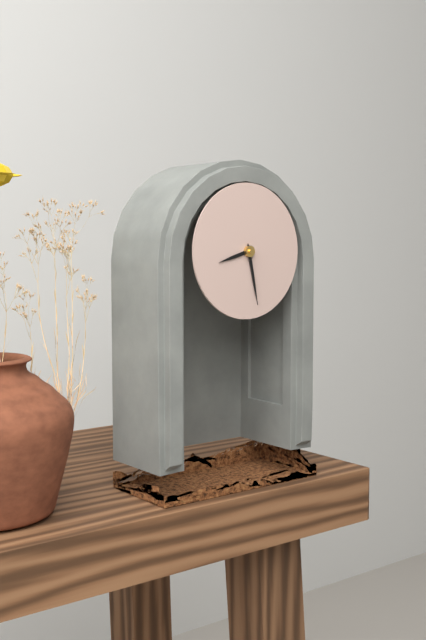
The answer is **8:28**
